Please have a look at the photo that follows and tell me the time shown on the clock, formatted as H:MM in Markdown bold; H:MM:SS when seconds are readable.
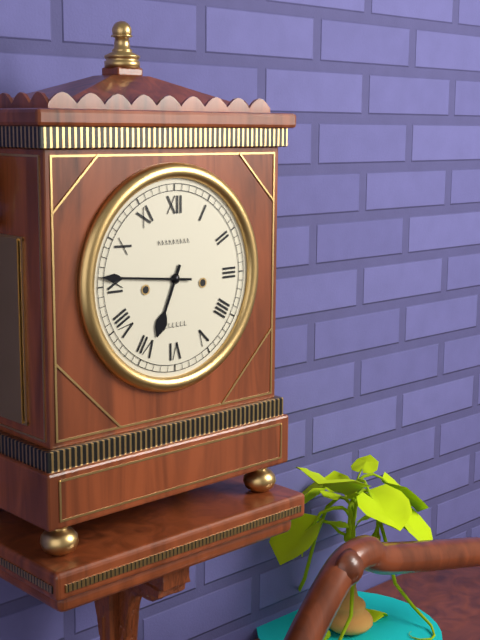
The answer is **6:46**
